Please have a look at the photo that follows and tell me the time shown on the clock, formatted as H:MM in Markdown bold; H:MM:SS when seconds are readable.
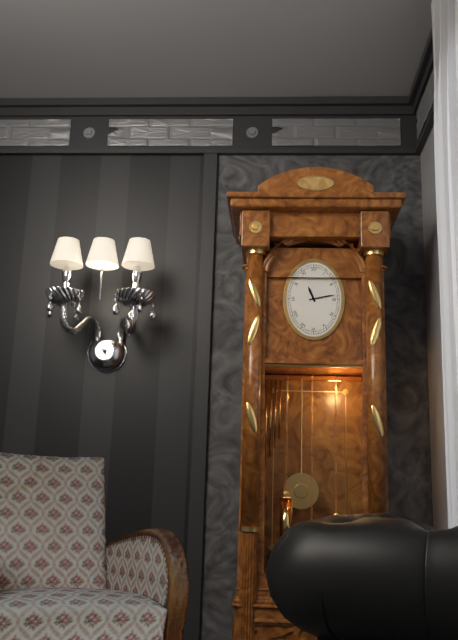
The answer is **11:13**
